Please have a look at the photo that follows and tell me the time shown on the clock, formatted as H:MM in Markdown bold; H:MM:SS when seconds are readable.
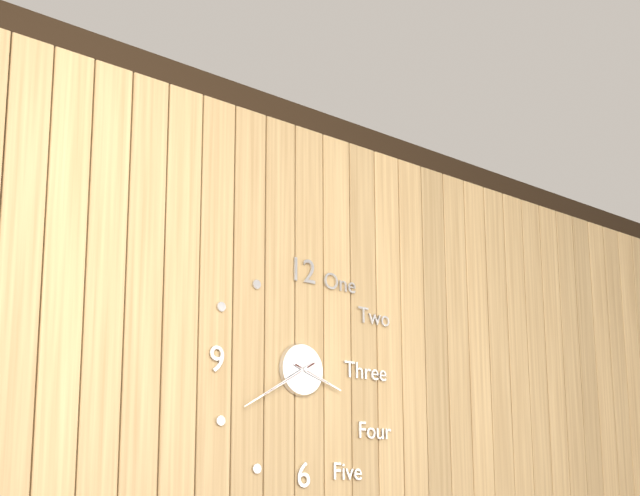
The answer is **3:40**
